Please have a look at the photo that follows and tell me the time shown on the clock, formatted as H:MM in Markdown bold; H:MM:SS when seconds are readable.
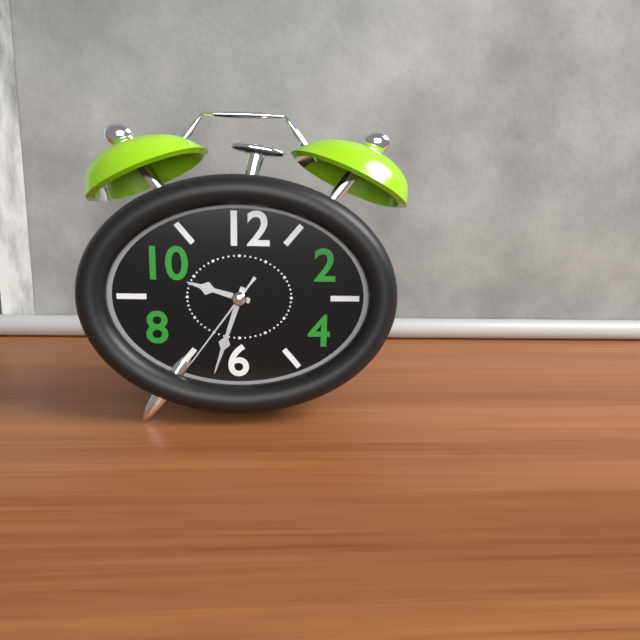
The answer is **9:33:36**
